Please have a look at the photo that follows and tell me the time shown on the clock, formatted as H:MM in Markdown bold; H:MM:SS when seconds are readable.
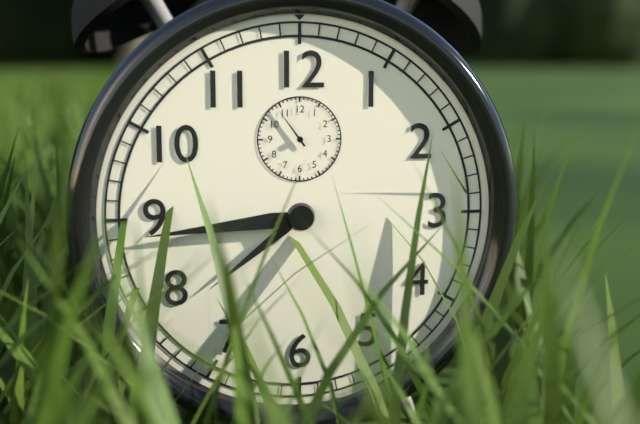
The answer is **7:44**
